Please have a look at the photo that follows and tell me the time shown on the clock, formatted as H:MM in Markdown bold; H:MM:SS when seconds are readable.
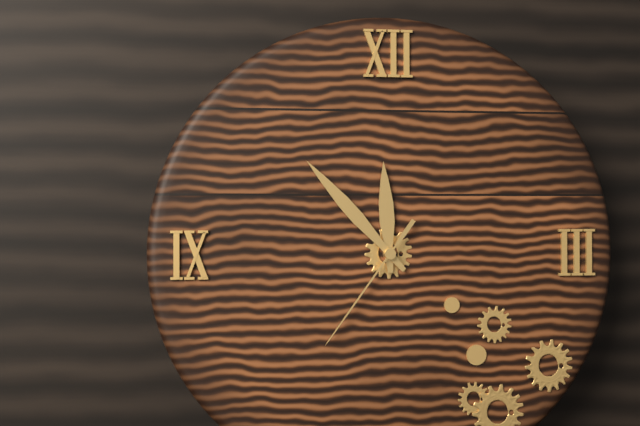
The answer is **11:53:36**
